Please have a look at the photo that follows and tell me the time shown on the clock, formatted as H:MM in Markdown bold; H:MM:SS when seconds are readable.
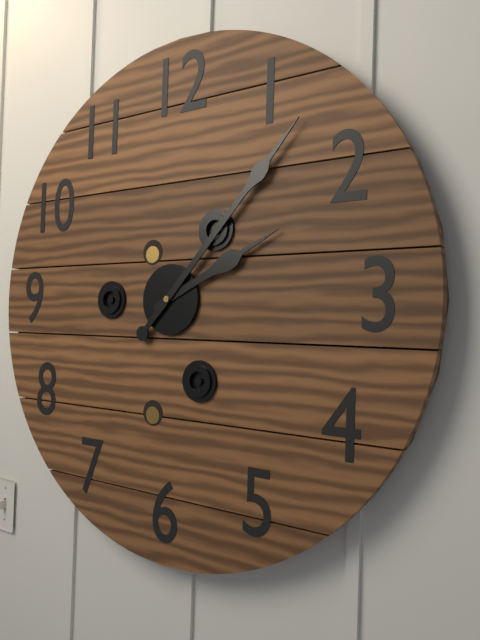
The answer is **2:07**
